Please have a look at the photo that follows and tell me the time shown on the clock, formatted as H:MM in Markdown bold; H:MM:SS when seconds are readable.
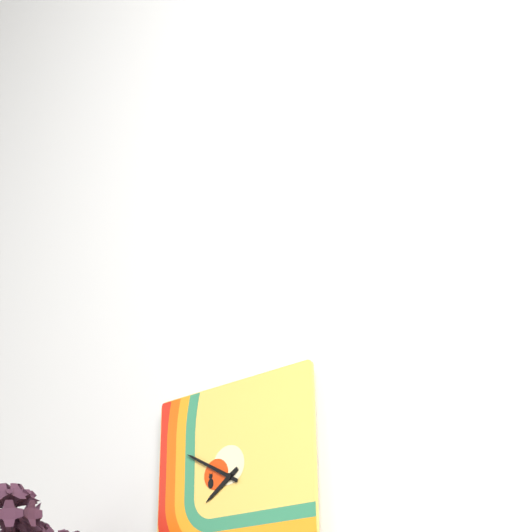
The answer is **7:50**
